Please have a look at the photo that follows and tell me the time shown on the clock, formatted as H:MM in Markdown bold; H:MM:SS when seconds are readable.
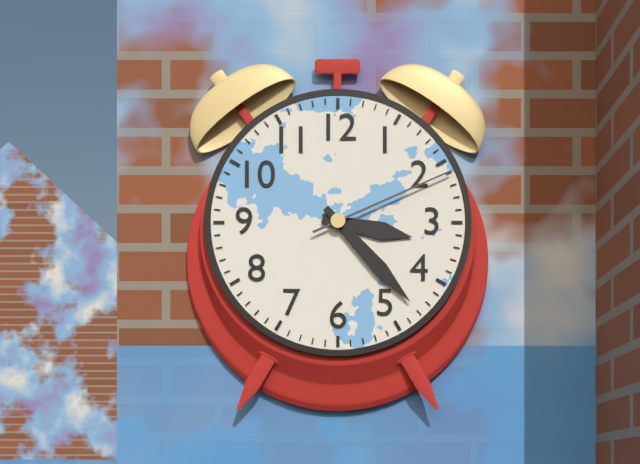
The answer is **3:23:11**
